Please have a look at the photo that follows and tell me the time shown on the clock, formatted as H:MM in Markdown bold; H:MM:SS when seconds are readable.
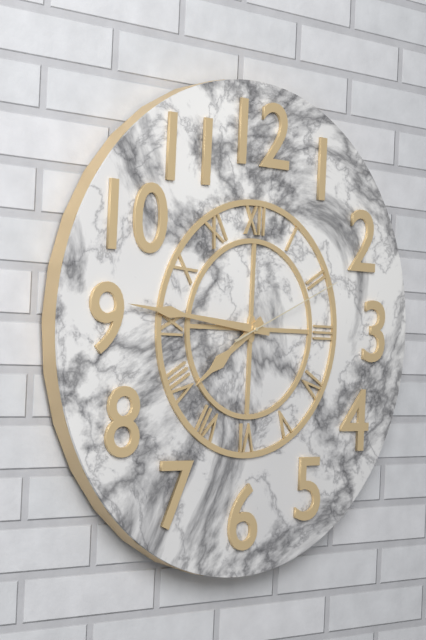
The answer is **7:46:11**
